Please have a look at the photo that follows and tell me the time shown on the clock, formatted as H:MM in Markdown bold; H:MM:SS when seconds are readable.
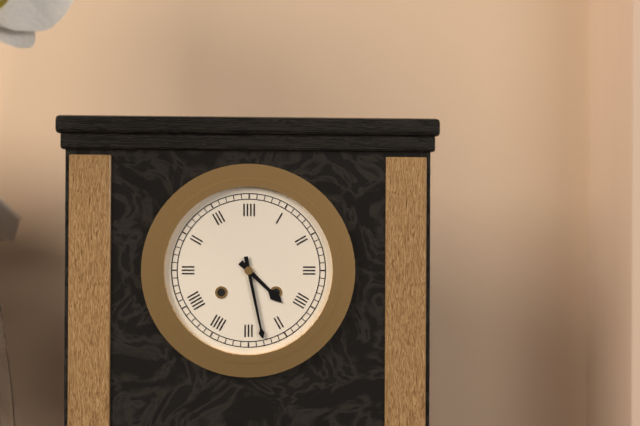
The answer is **4:28**
